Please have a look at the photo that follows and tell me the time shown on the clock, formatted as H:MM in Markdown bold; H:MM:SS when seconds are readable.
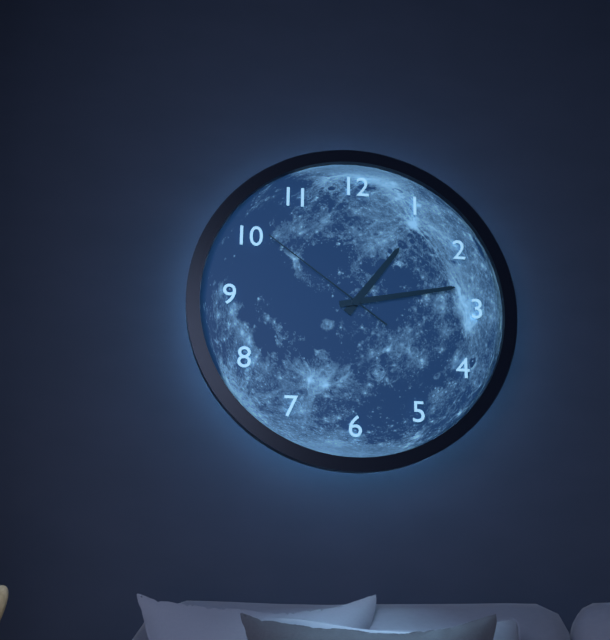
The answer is **1:13:51**
